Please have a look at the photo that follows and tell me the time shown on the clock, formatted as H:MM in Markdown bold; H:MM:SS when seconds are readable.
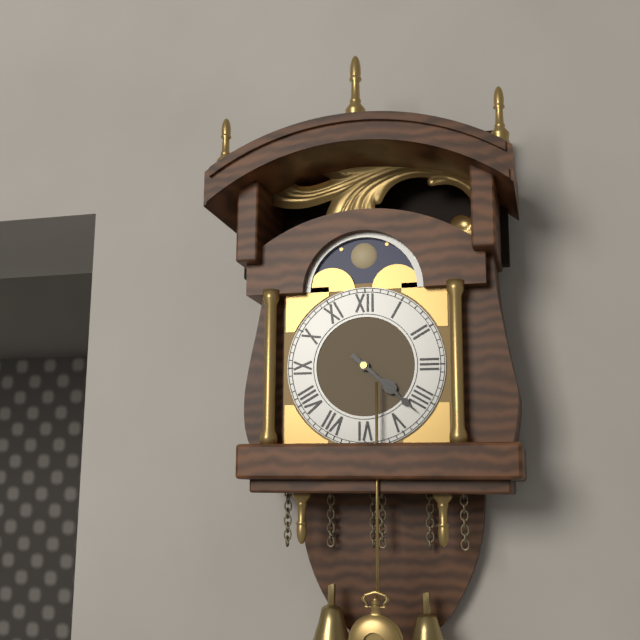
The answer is **4:22**
